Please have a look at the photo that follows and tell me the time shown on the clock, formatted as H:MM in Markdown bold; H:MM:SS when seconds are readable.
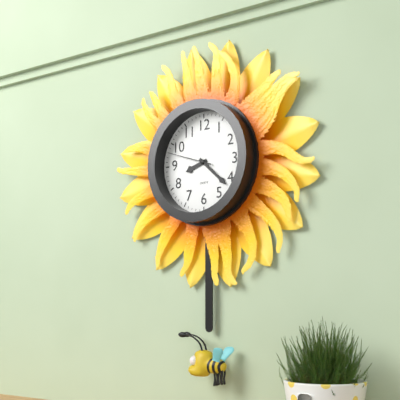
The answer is **8:22**
